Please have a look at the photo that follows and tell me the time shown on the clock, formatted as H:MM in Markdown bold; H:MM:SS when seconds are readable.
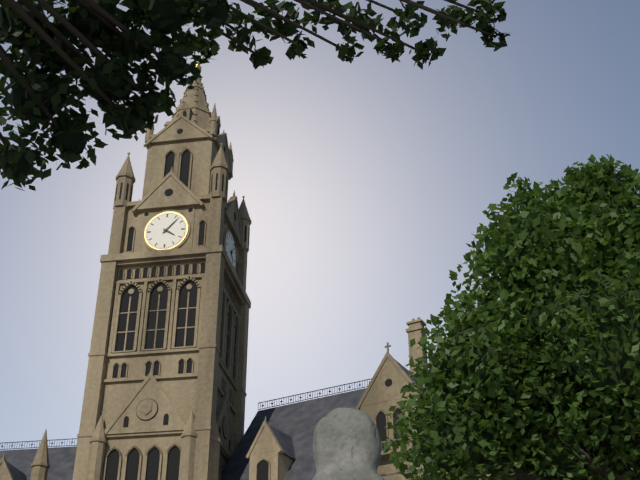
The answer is **4:07**
